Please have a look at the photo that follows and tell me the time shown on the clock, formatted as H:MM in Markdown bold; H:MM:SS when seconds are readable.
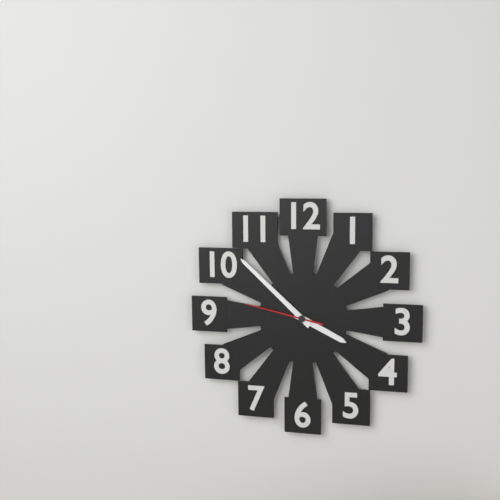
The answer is **3:52:47**
